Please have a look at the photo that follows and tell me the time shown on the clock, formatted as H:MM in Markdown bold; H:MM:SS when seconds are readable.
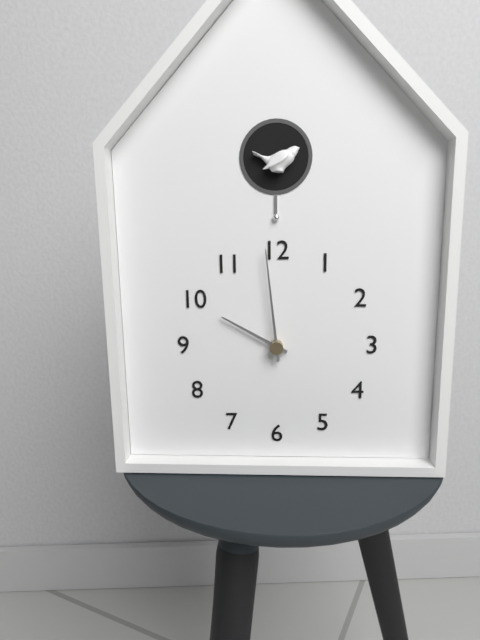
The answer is **9:59**
